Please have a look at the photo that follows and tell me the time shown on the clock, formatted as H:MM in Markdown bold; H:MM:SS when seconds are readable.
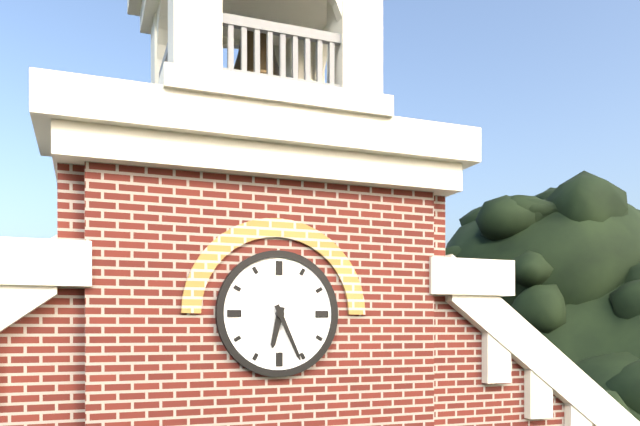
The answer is **6:26**
